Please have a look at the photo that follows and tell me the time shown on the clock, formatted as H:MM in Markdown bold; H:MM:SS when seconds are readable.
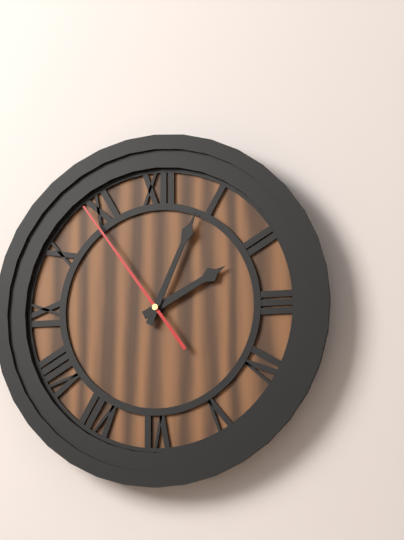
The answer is **2:04:54**
